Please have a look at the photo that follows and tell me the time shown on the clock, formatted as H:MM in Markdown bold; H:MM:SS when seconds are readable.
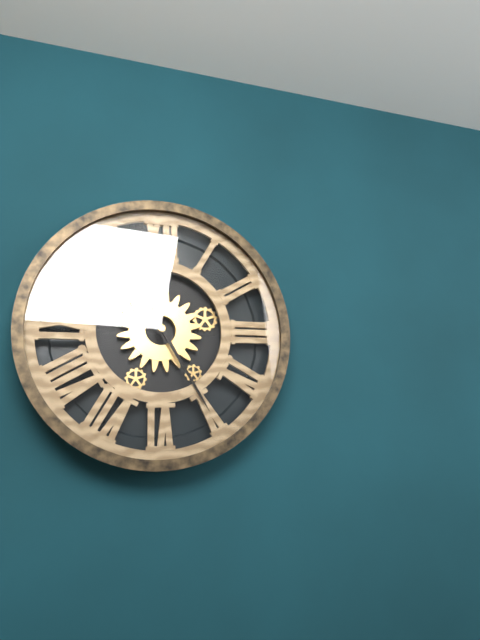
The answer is **11:25**
